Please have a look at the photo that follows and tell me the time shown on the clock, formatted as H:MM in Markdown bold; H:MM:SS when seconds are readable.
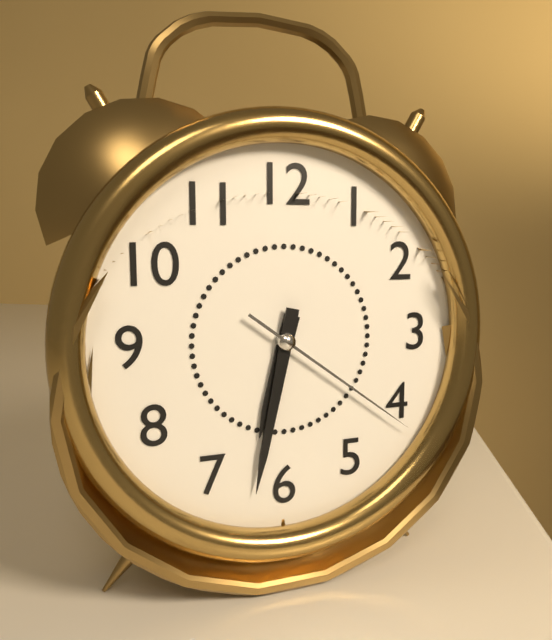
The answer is **6:32:21**
